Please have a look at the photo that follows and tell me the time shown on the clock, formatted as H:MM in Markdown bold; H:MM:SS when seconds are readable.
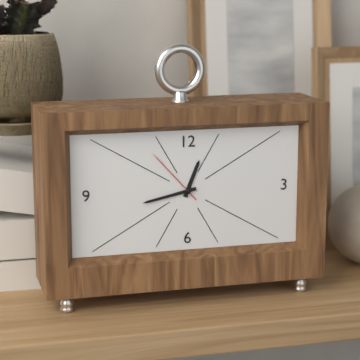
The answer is **12:43:53**
